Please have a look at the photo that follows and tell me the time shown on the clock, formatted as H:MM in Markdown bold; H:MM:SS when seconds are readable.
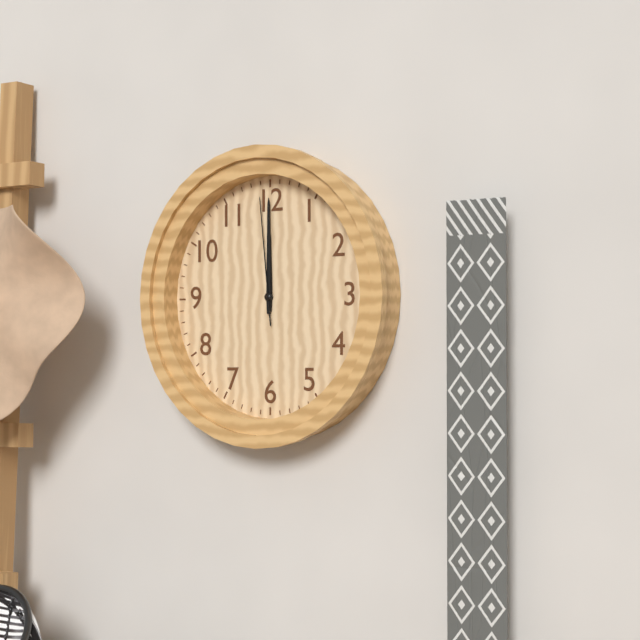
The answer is **12:00:59**
